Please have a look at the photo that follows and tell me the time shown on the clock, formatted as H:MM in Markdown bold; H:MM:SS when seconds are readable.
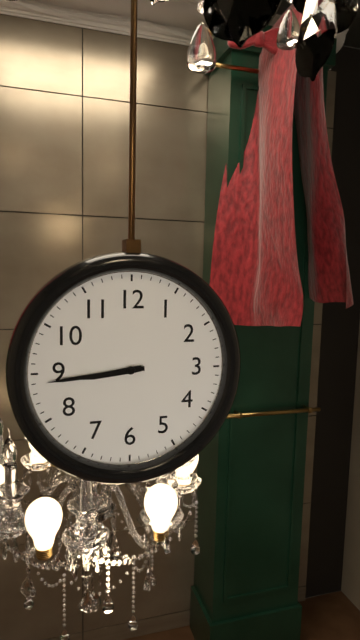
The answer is **8:44**
